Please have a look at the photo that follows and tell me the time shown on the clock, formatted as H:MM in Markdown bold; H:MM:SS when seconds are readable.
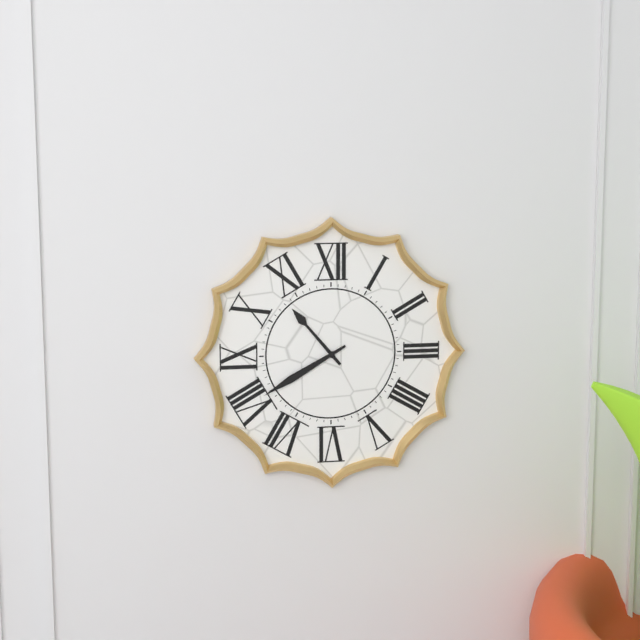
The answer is **10:40**
